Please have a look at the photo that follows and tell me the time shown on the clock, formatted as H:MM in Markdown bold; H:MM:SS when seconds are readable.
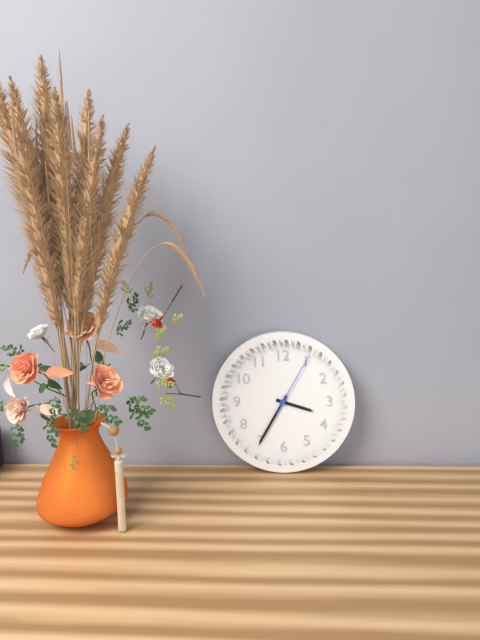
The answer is **3:35:05**
